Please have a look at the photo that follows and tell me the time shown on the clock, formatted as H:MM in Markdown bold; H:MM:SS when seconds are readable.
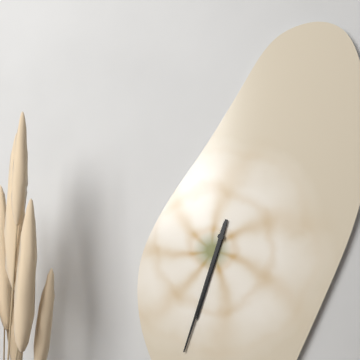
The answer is **6:33**
